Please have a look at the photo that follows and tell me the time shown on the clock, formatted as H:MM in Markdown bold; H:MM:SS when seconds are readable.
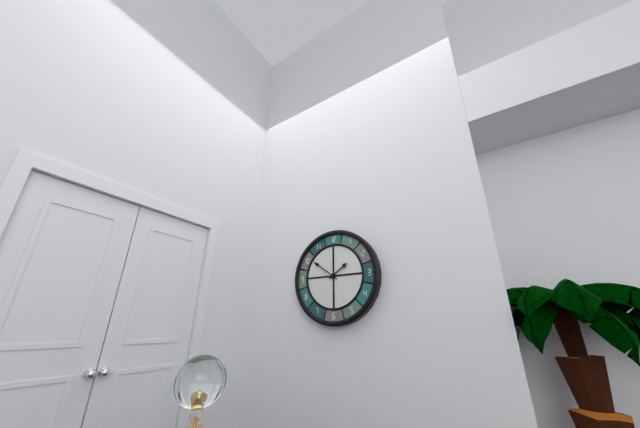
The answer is **1:51**
